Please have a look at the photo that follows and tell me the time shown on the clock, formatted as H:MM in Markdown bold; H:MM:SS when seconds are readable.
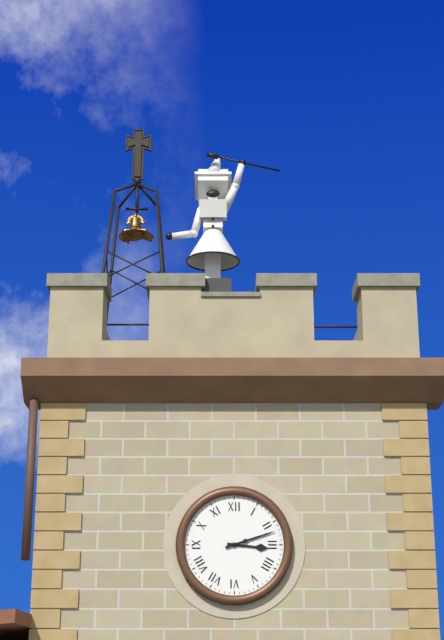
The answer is **3:12**
